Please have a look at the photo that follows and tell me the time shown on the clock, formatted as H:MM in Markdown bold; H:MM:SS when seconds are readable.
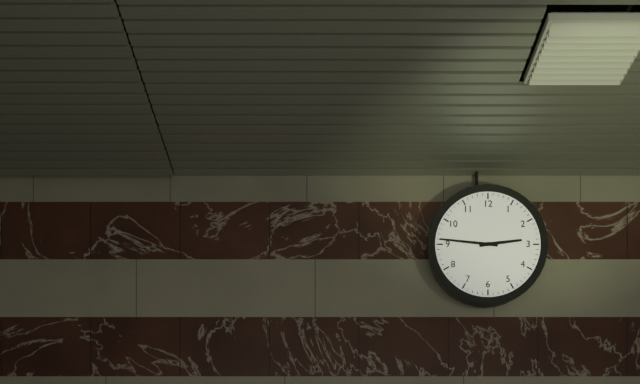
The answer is **2:46**
